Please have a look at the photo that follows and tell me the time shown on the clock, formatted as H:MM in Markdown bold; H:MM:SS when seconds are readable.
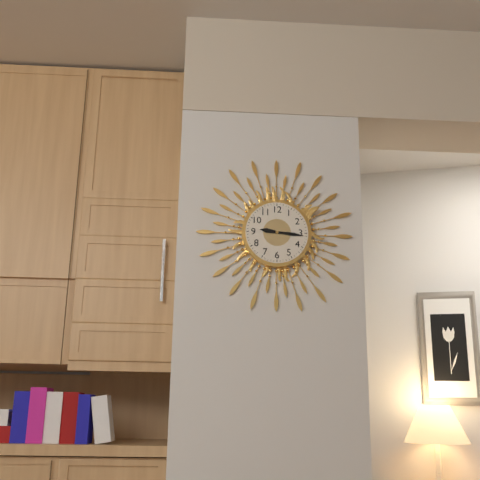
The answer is **9:16**
